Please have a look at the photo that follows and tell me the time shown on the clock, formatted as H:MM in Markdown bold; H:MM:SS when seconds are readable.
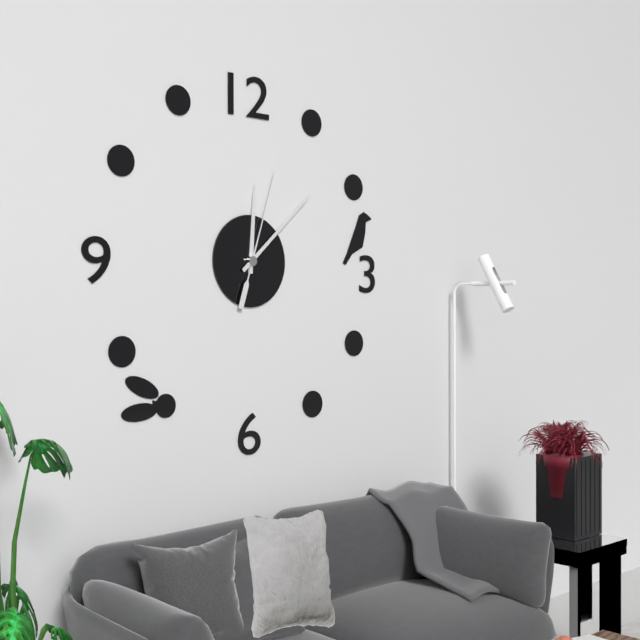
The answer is **12:08:03**
